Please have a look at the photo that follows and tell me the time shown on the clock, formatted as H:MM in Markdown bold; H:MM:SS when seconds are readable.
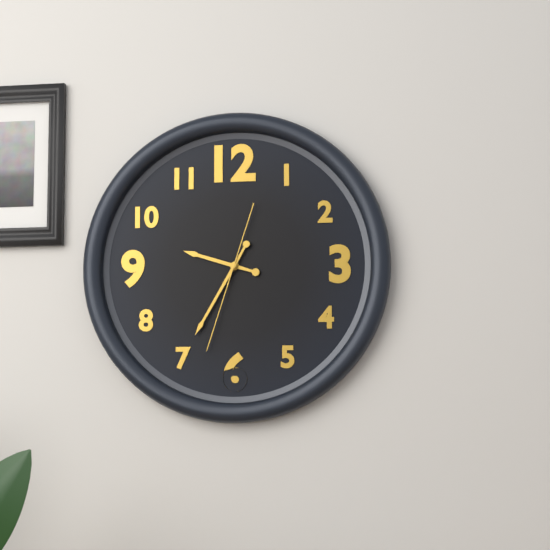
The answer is **9:35:33**
